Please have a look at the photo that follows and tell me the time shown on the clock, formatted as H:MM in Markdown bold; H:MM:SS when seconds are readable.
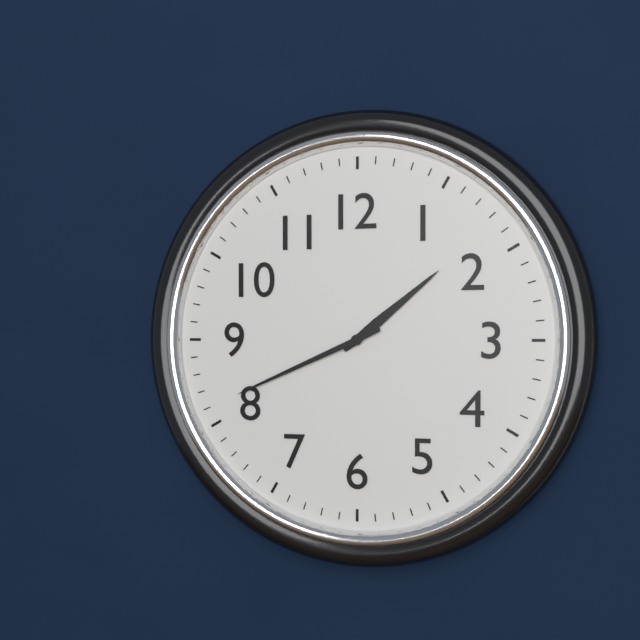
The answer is **1:41**
